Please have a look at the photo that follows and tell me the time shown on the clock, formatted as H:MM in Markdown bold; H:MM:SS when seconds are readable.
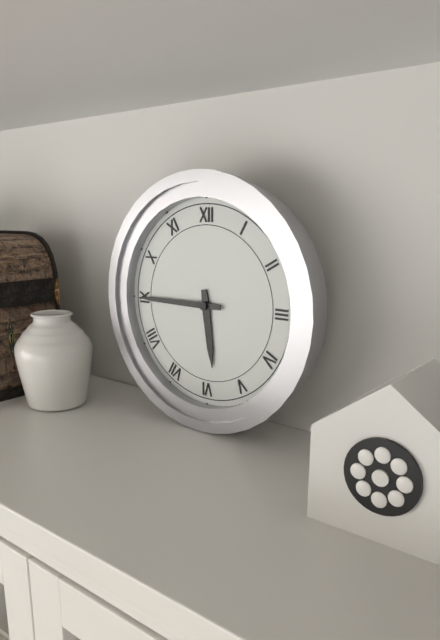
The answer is **5:45**
